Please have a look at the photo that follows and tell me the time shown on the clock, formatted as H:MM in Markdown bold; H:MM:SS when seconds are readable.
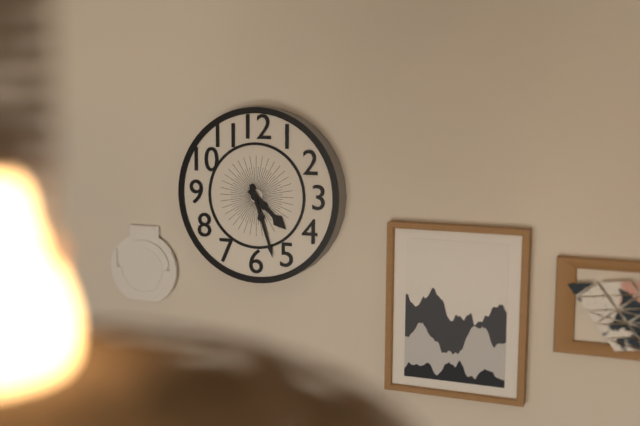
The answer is **4:27**
